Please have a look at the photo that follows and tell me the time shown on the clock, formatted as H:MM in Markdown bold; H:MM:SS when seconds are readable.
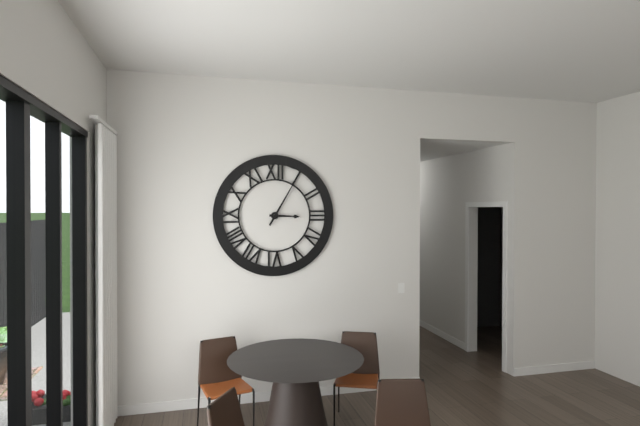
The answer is **3:05**
